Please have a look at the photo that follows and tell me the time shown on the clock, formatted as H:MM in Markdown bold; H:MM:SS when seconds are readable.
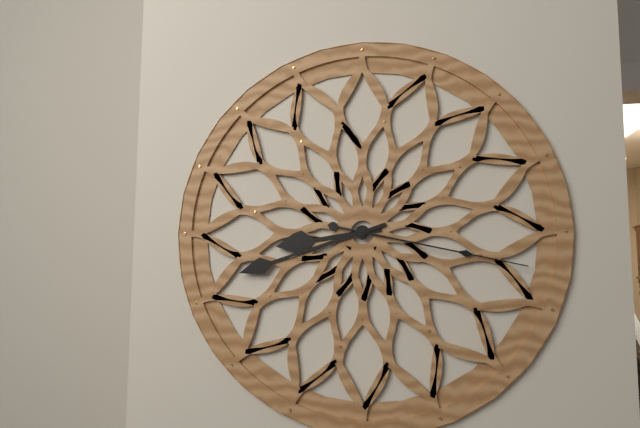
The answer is **8:42:17**
